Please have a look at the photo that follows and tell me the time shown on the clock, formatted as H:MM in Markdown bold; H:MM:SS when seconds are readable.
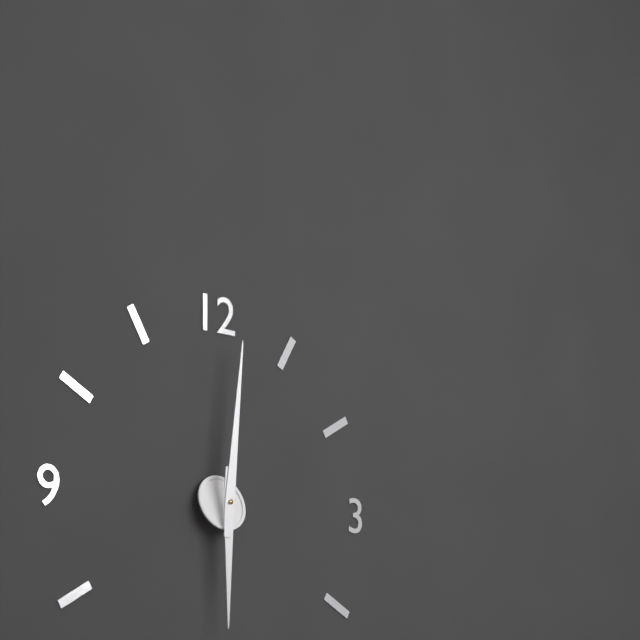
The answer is **6:01**
